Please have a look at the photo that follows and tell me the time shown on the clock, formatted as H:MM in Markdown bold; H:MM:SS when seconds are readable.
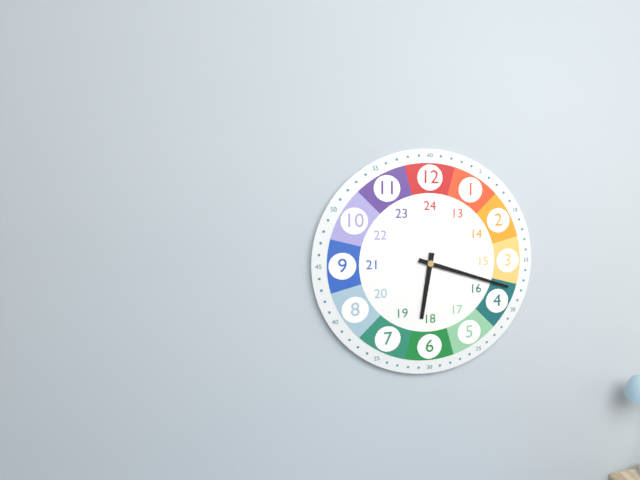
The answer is **6:18**
